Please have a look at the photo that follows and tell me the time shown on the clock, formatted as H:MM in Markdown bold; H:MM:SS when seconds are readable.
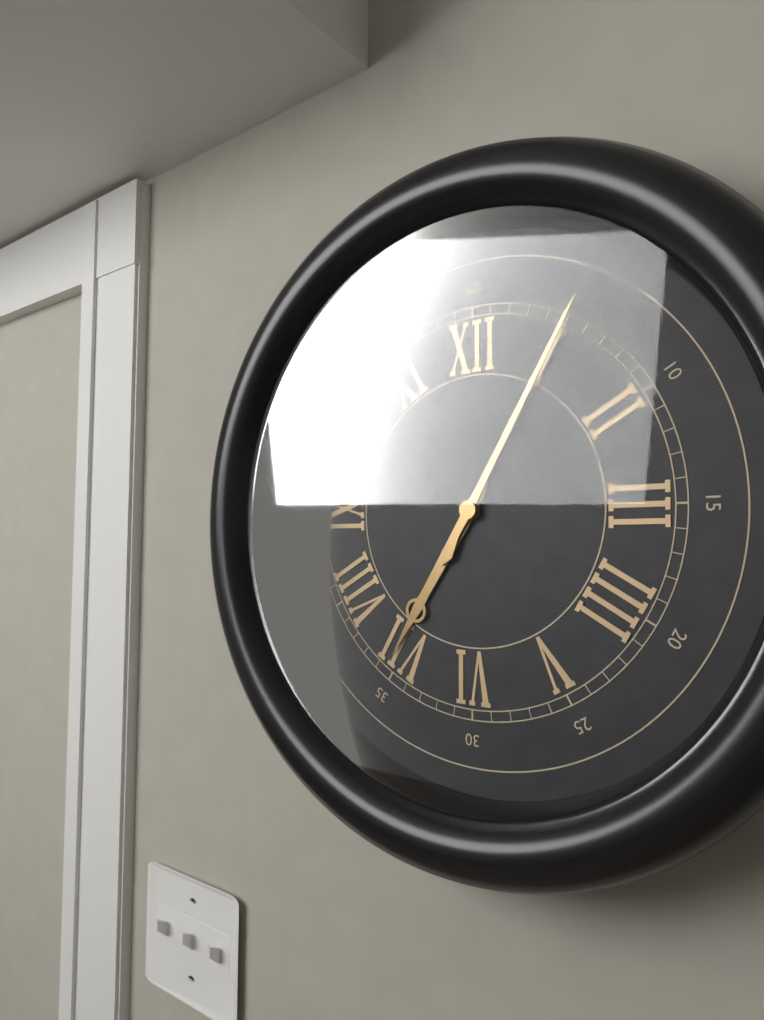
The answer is **7:05**
